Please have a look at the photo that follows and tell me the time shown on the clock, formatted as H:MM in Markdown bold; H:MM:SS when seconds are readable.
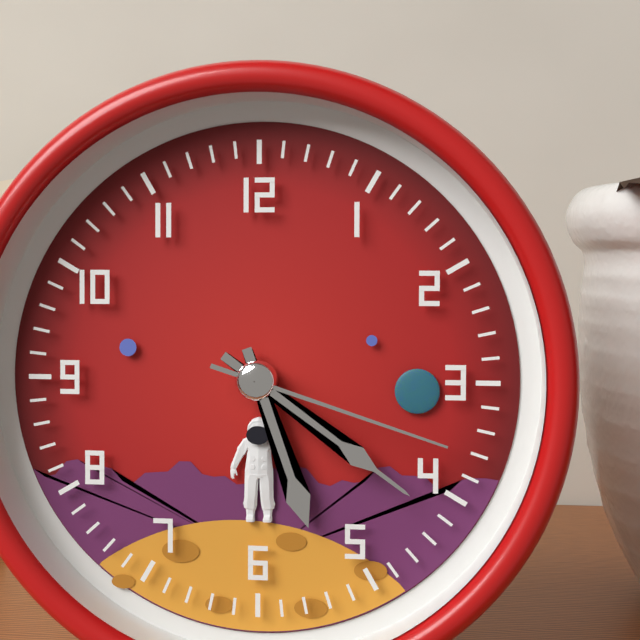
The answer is **5:21:18**
